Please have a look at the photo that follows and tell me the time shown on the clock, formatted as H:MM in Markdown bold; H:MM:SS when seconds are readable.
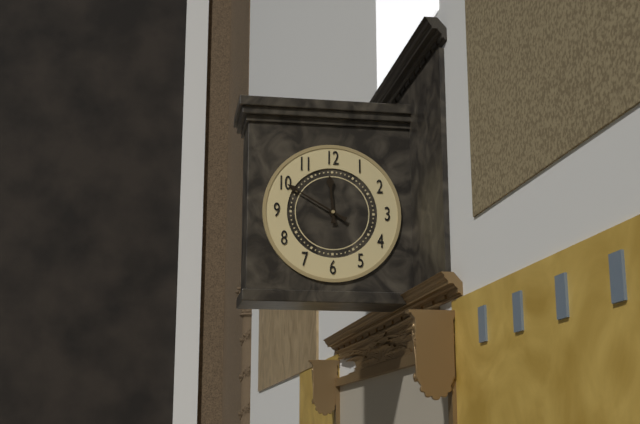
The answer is **11:50**
